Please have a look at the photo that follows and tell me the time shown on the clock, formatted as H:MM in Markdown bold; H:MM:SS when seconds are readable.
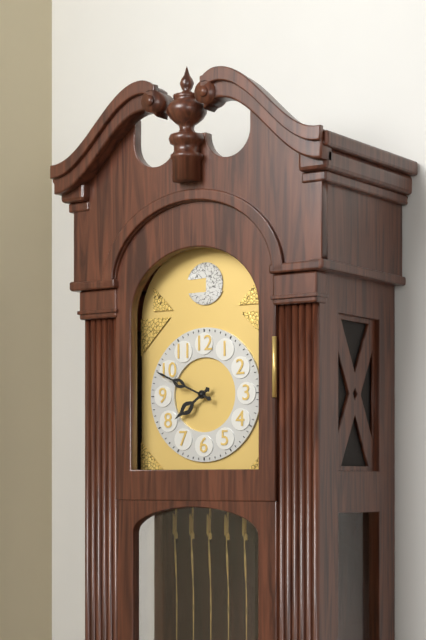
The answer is **7:49**
